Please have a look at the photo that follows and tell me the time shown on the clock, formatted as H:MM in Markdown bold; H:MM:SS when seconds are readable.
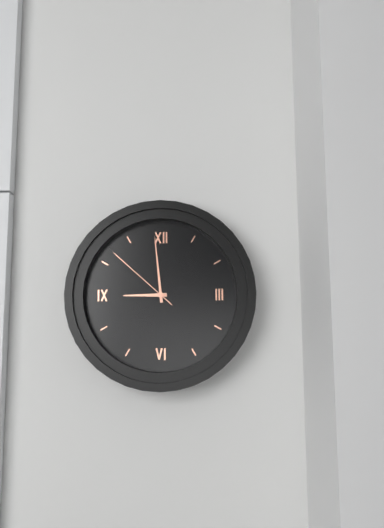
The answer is **8:59:52**
